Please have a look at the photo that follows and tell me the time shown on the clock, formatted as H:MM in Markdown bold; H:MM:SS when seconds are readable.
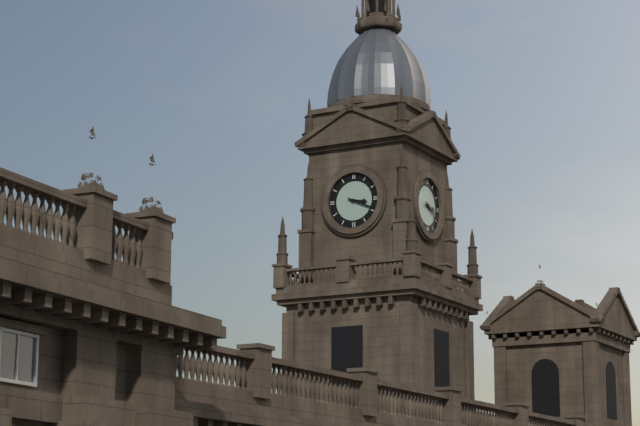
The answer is **3:19**
